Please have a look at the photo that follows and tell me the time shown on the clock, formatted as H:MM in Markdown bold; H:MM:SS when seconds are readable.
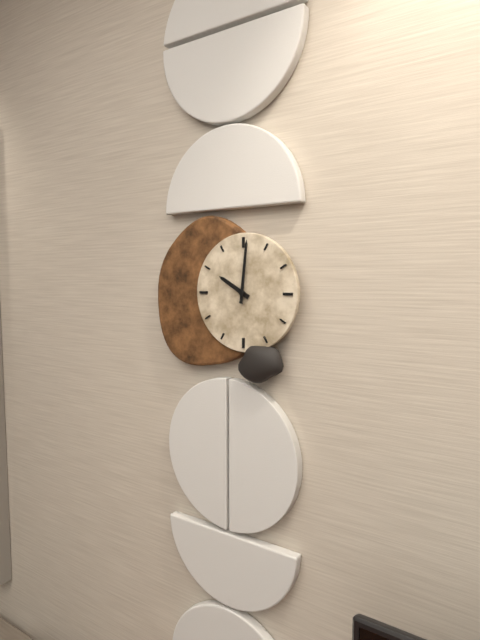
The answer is **10:01**
